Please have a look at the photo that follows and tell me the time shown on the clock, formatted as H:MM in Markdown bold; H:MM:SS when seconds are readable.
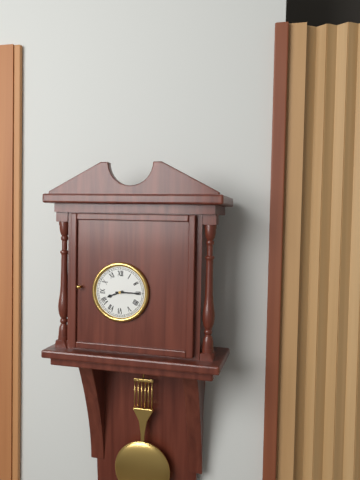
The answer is **8:15**
